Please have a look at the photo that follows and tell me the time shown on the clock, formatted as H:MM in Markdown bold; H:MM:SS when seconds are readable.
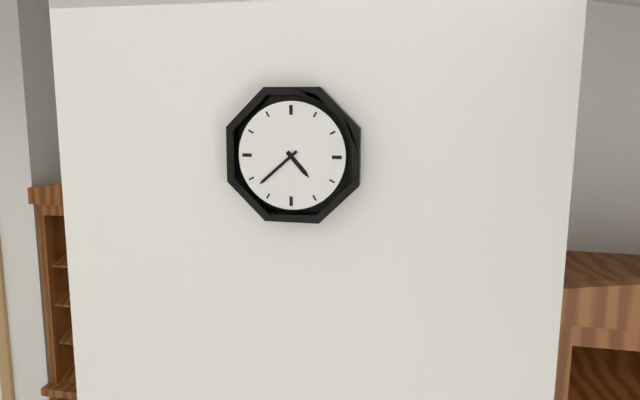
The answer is **4:38**
